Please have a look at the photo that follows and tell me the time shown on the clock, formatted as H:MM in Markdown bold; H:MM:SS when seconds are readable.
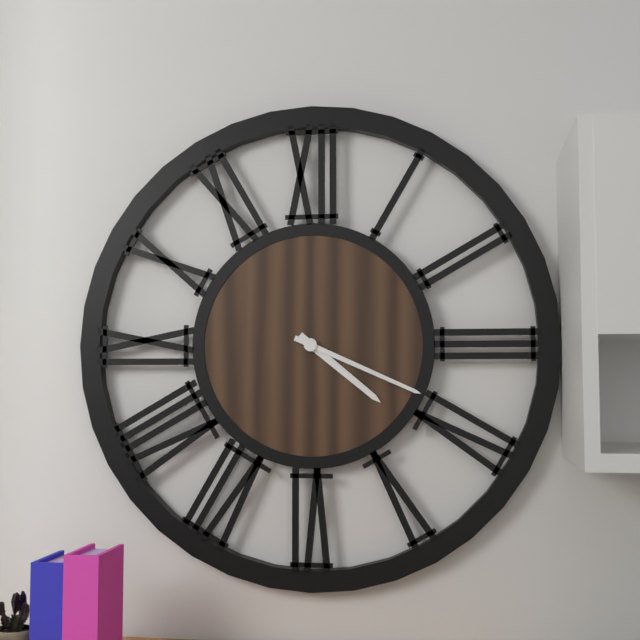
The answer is **4:19**
